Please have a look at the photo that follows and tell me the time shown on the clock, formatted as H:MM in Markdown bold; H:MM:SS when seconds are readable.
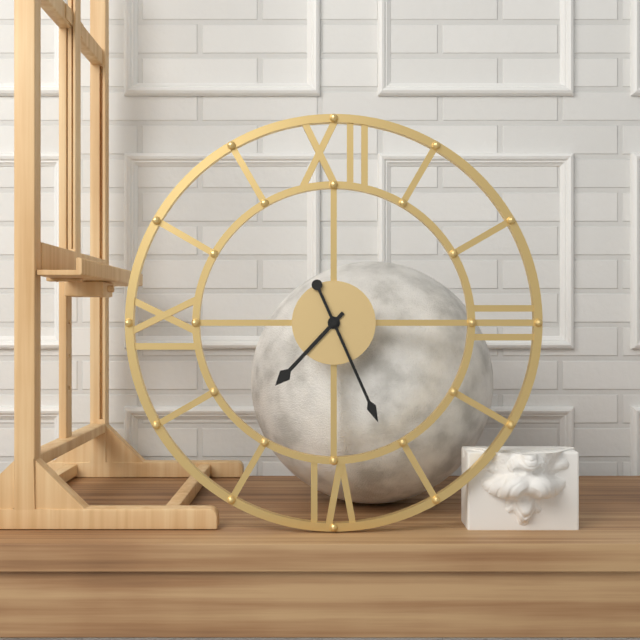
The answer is **7:26**
